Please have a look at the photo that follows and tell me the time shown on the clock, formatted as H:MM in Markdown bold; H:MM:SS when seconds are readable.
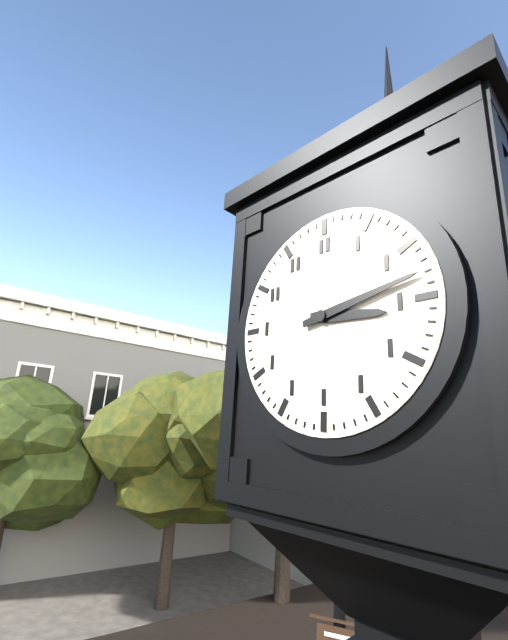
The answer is **3:13**
